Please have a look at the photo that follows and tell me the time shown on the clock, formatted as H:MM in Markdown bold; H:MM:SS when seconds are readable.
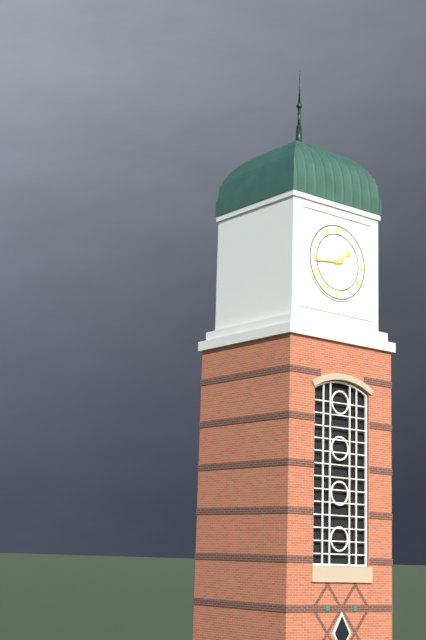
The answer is **1:44**
